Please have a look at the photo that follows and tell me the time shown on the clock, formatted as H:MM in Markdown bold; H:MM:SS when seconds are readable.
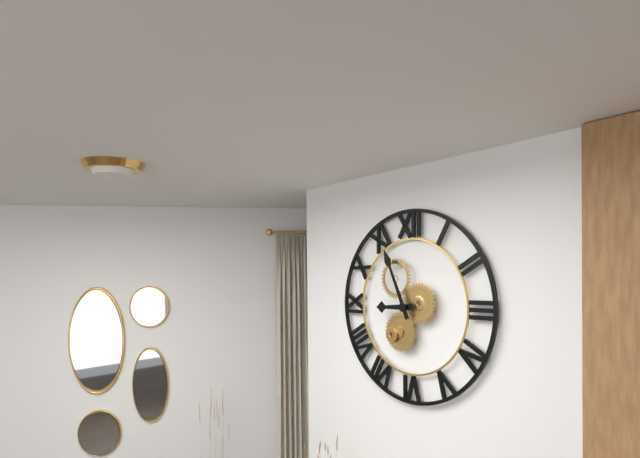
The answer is **8:56**
